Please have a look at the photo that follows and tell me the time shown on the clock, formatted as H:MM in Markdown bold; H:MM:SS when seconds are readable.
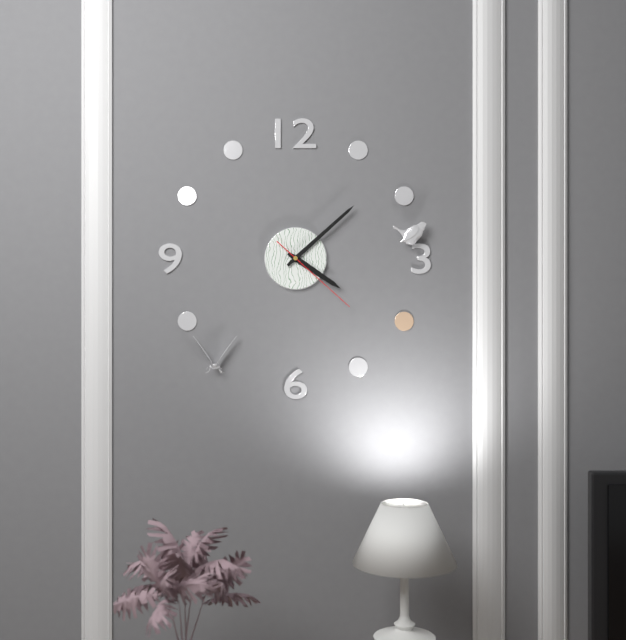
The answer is **4:08:22**
